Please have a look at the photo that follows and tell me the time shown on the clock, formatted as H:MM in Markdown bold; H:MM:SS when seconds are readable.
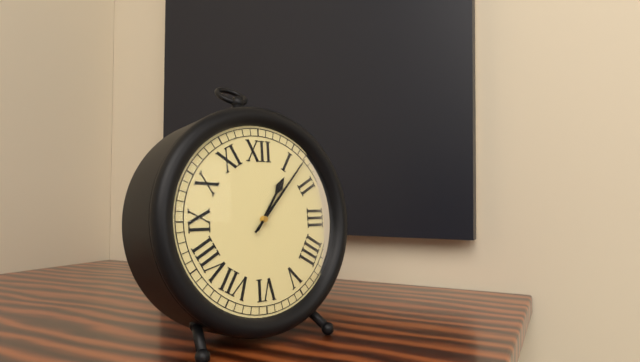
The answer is **1:07**
